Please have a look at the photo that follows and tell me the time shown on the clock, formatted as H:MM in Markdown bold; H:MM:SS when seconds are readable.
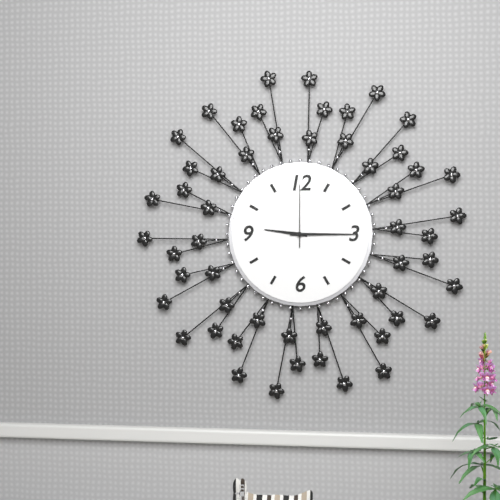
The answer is **9:15:00**
